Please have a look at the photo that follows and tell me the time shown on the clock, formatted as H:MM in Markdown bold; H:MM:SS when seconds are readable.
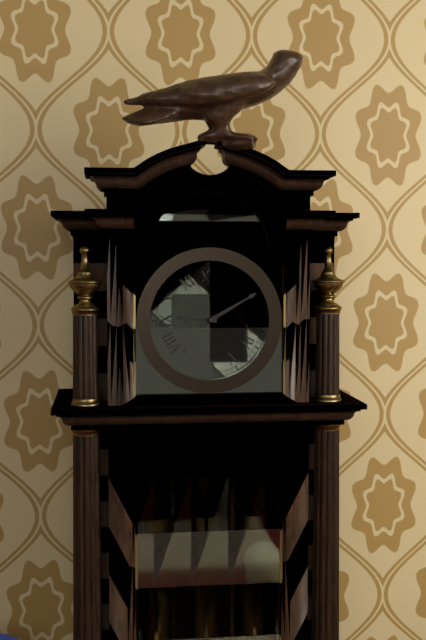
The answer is **9:10**
